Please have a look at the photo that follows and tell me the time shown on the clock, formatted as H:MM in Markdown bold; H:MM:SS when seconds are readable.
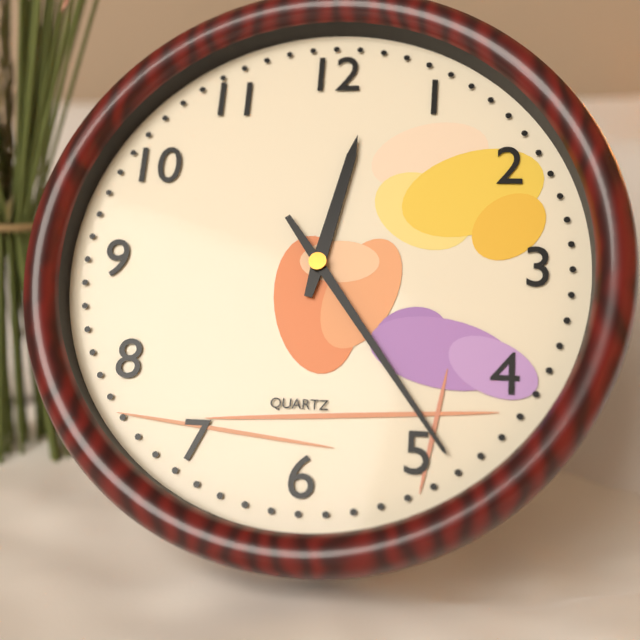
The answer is **12:24**
